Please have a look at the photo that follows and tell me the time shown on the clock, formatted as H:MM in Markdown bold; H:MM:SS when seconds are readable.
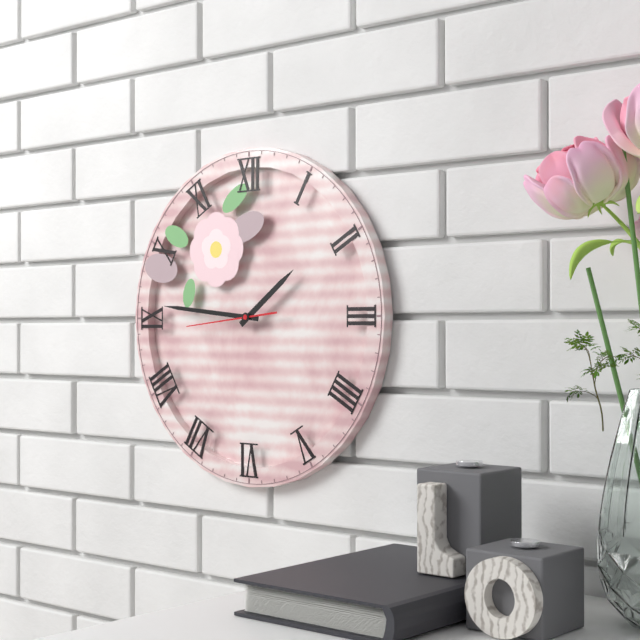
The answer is **1:46:44**
